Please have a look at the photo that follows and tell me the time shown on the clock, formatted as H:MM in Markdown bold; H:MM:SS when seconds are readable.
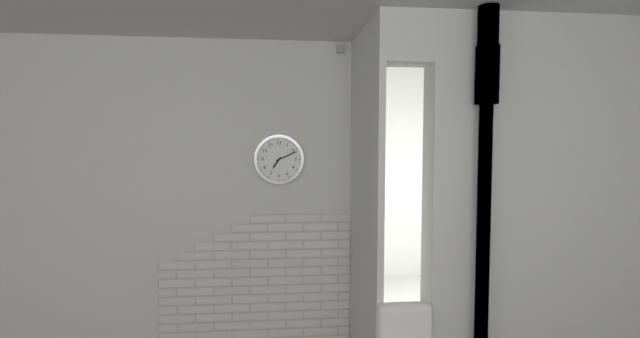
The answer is **7:11**
